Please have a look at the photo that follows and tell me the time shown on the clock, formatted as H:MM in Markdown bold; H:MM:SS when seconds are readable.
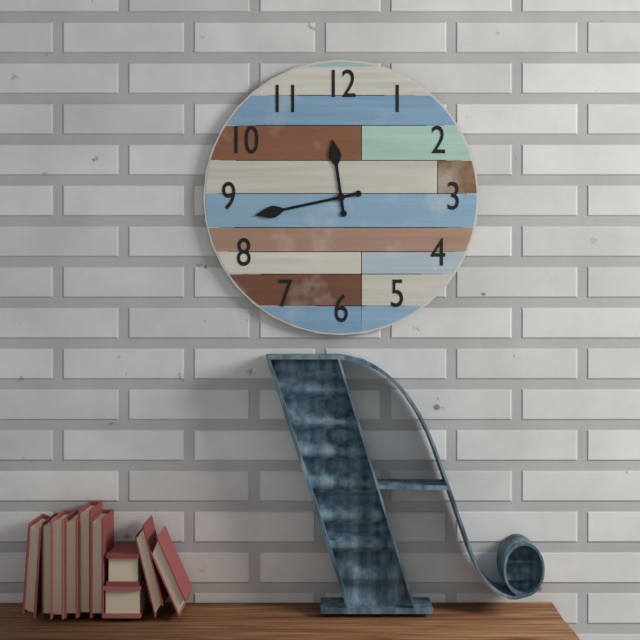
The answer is **11:43**
